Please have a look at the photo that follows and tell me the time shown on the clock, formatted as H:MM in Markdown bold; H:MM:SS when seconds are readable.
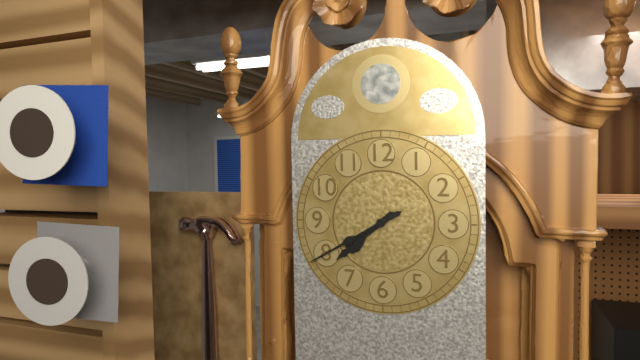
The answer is **7:40**
